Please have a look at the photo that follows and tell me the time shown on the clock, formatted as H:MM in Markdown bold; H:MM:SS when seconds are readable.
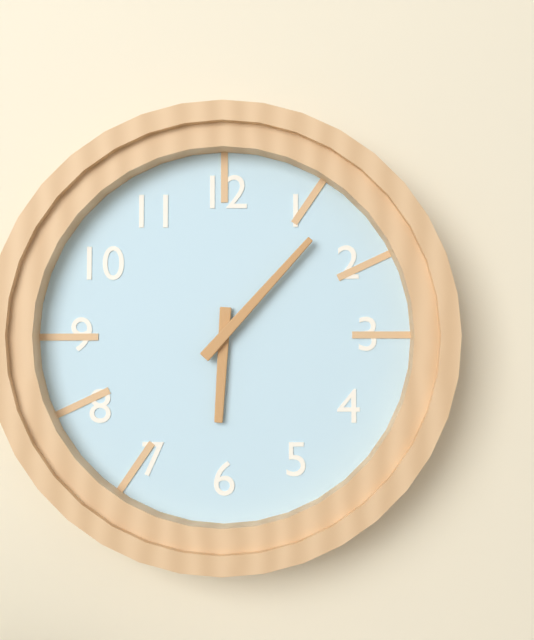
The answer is **6:07**
